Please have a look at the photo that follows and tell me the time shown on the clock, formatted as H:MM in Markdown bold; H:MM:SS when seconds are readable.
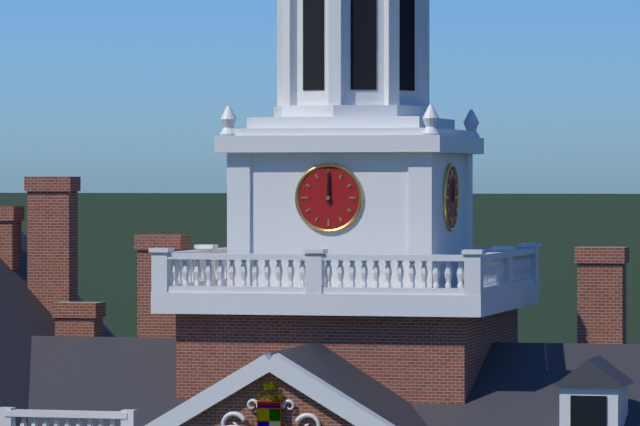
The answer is **12:00**
